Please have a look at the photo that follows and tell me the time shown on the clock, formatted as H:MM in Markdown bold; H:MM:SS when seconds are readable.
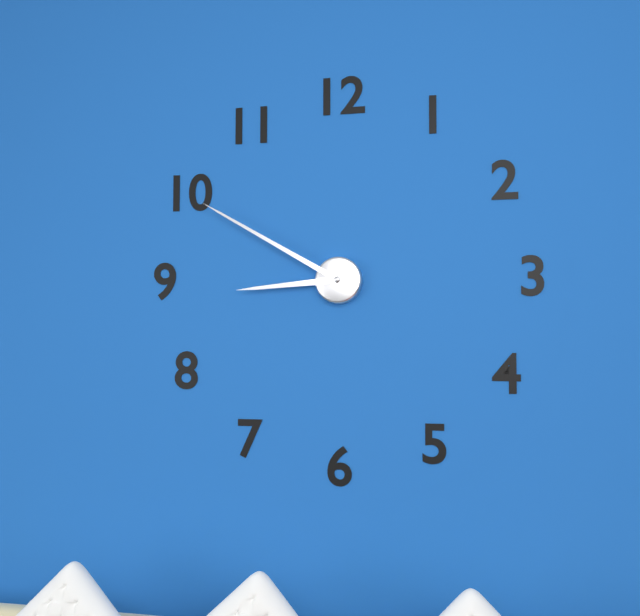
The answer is **8:50**
